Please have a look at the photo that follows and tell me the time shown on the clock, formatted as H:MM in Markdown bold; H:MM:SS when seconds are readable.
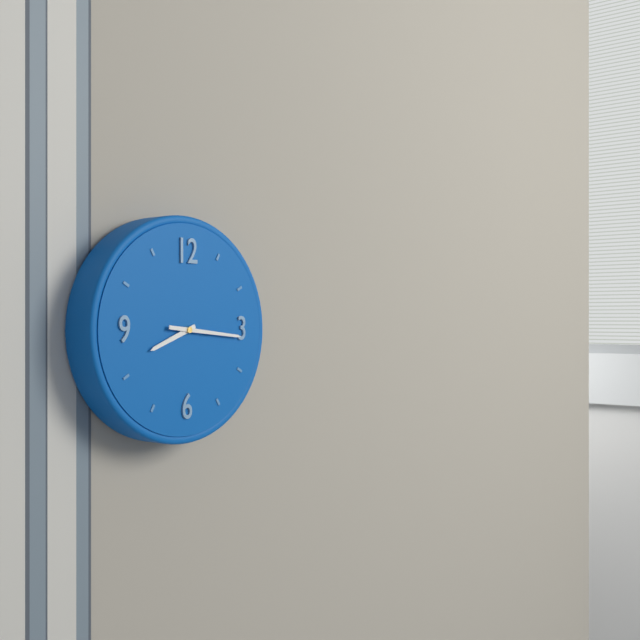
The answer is **8:16**
